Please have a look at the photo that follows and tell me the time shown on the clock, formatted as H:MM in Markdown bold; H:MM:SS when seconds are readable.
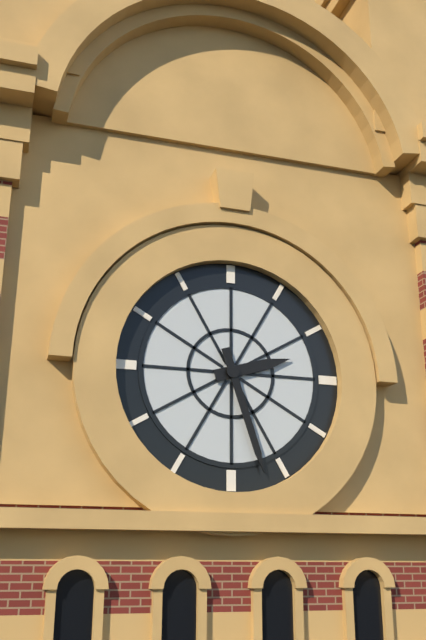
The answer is **2:27**
